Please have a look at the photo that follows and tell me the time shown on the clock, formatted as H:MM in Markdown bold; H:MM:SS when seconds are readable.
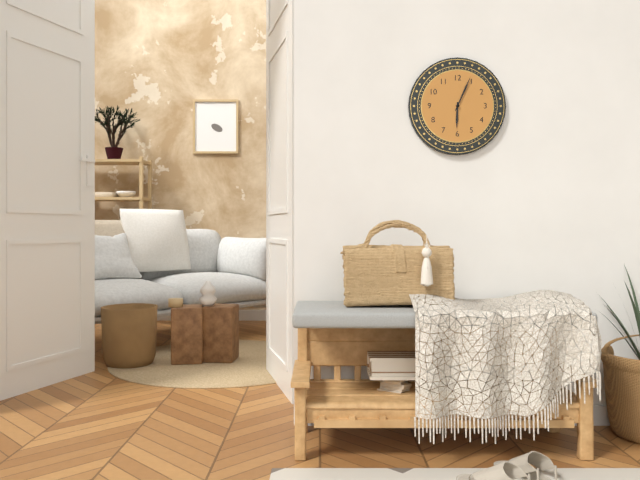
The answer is **6:04**
